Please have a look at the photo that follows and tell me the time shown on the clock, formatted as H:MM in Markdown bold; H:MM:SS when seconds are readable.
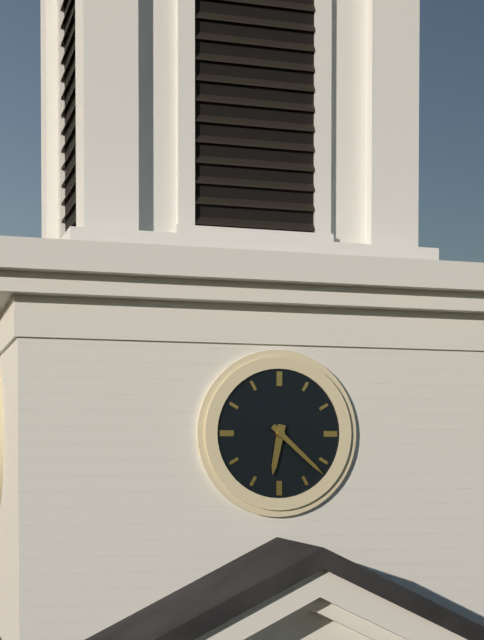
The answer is **6:22**
